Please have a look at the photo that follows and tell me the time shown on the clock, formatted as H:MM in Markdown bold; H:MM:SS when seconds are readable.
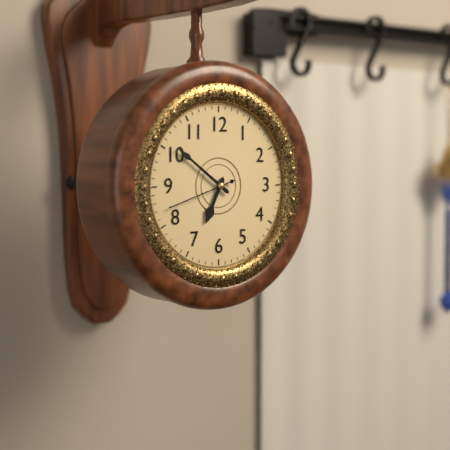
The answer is **6:51:42**
